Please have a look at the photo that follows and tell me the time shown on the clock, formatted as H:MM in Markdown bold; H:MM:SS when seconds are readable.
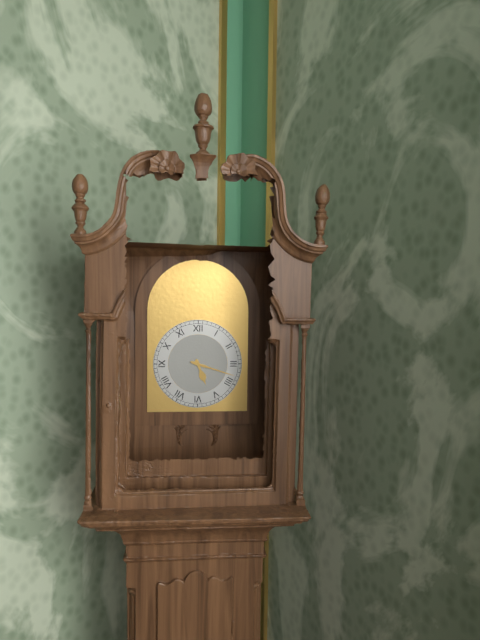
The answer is **5:18**
